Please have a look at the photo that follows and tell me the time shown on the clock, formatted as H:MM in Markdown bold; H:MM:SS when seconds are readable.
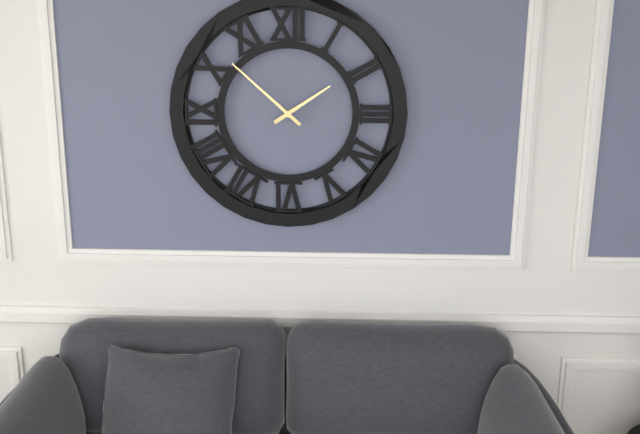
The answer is **1:52**
